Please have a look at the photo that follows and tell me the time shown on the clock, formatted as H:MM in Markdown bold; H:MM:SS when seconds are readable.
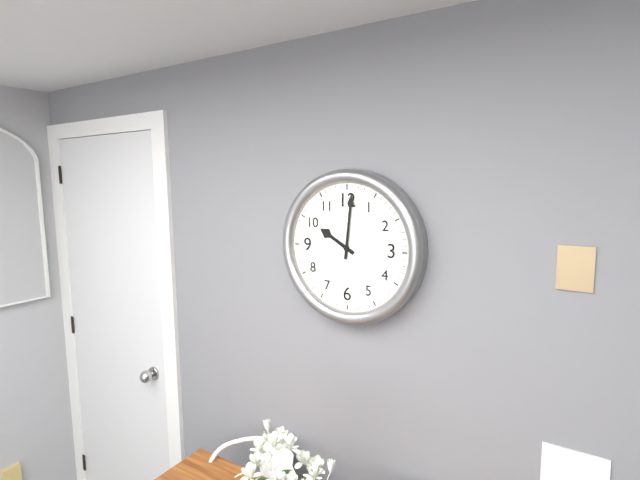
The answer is **10:01**
